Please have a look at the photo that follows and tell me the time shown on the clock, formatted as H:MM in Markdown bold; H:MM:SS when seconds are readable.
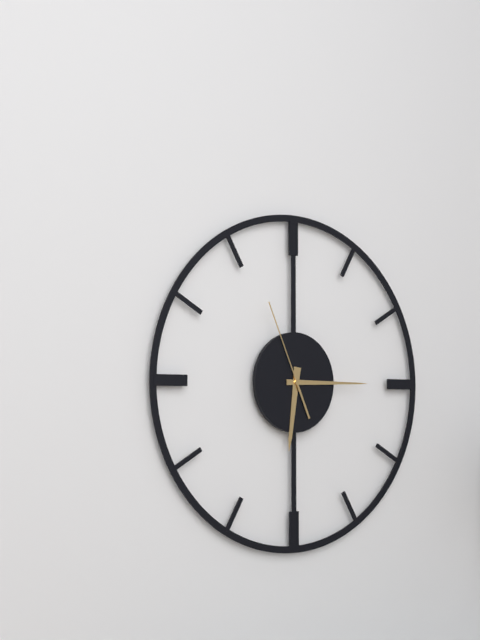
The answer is **6:15:56**
